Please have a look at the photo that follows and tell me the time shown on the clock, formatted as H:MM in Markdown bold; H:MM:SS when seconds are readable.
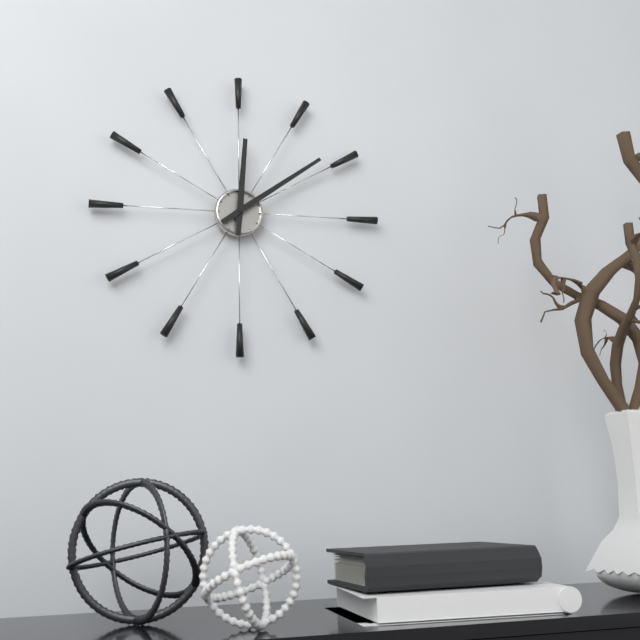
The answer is **12:09**
